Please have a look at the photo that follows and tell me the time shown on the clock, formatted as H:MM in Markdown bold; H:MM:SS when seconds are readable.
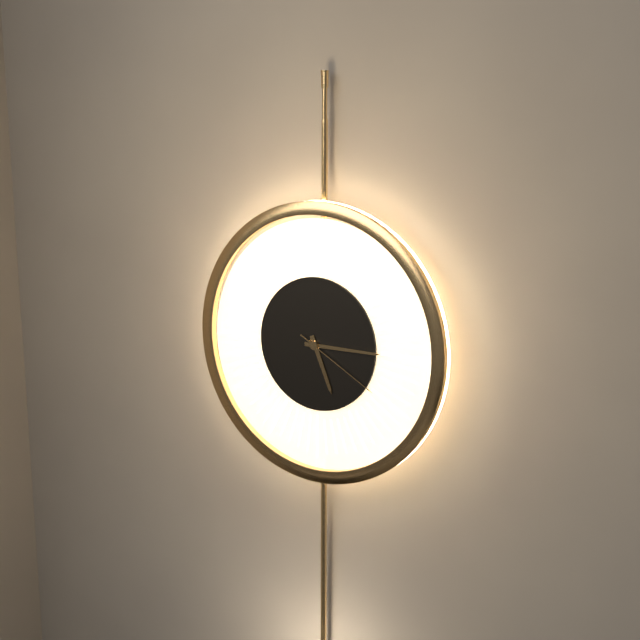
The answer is **5:15:20**
